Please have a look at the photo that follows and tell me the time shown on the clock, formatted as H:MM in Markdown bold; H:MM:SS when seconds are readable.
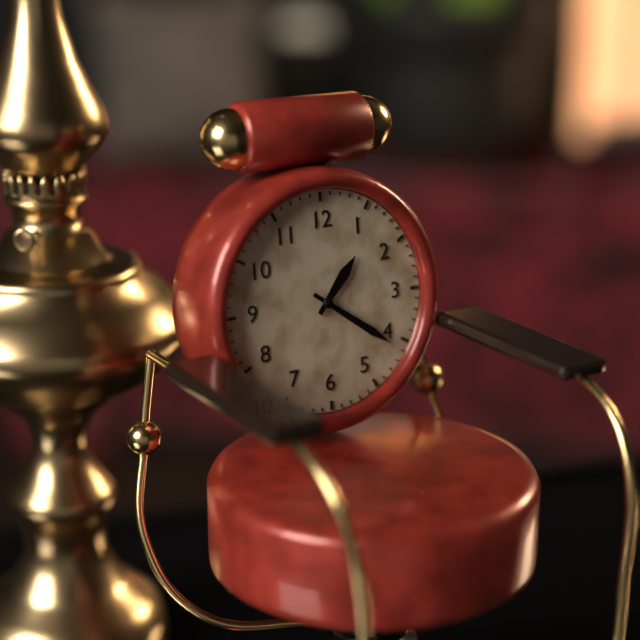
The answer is **1:21**
